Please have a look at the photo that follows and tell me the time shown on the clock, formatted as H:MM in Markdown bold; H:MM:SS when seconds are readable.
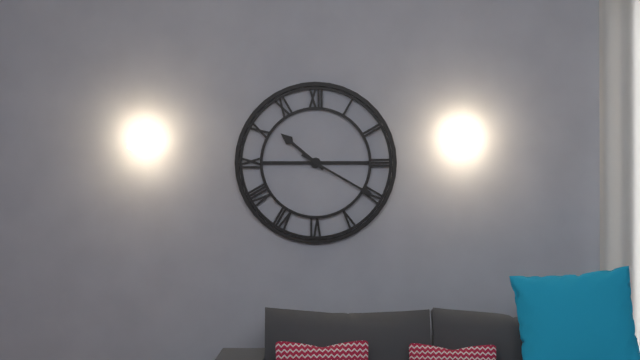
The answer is **10:20**
